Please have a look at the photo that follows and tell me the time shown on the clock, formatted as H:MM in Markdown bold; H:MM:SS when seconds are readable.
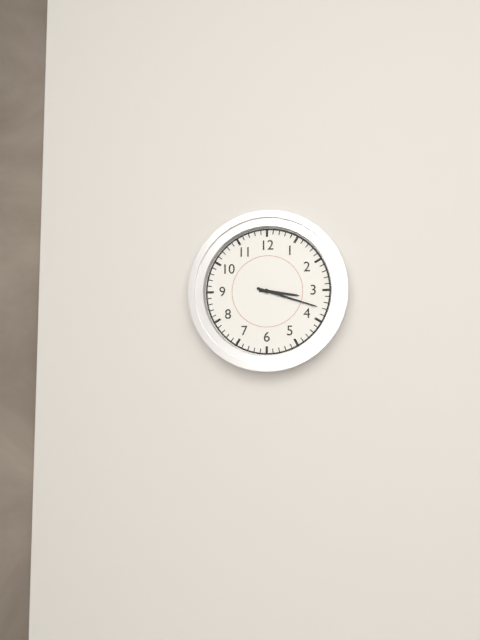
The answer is **3:18**
